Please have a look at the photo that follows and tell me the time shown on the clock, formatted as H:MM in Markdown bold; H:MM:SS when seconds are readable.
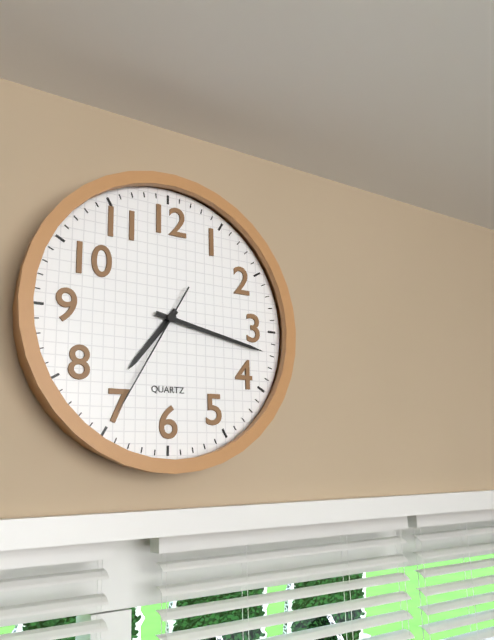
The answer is **7:17:35**
